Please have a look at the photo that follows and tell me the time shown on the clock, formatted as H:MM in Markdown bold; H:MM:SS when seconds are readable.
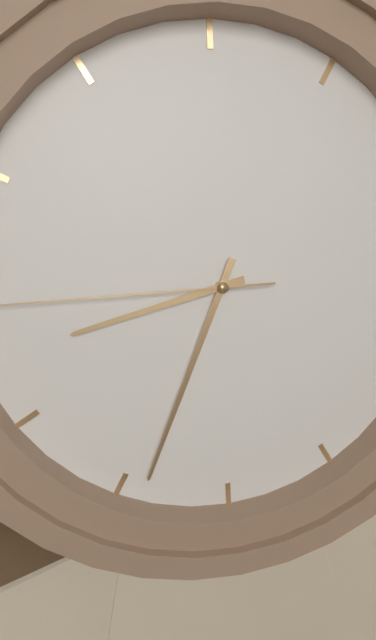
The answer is **8:34**
